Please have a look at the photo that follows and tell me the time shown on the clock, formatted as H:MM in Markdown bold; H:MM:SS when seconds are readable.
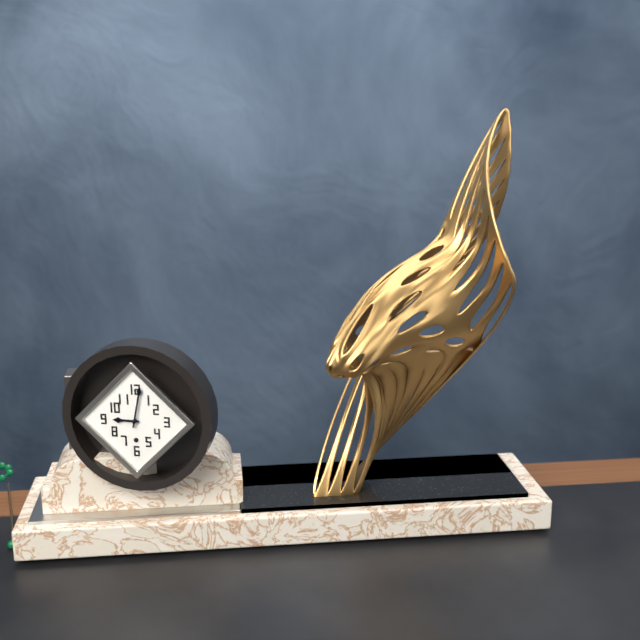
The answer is **9:02**
